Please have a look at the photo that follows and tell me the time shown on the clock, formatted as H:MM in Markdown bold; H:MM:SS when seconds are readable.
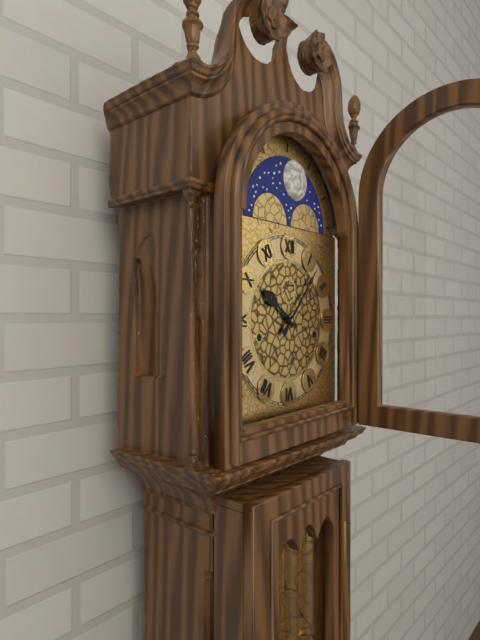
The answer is **10:07**
